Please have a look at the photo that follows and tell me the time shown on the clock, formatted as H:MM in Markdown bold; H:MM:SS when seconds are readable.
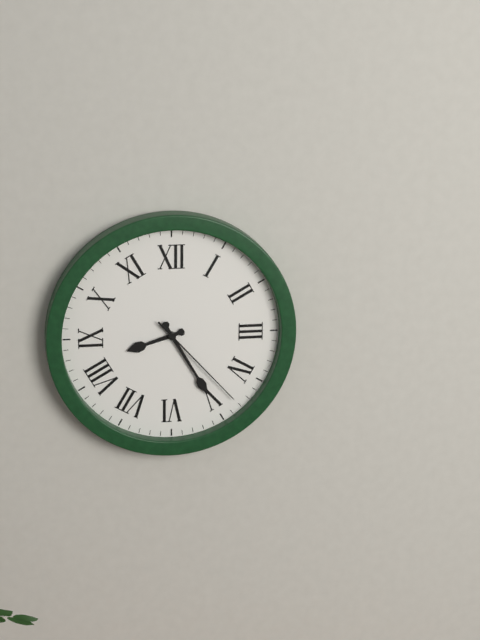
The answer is **8:25:23**
